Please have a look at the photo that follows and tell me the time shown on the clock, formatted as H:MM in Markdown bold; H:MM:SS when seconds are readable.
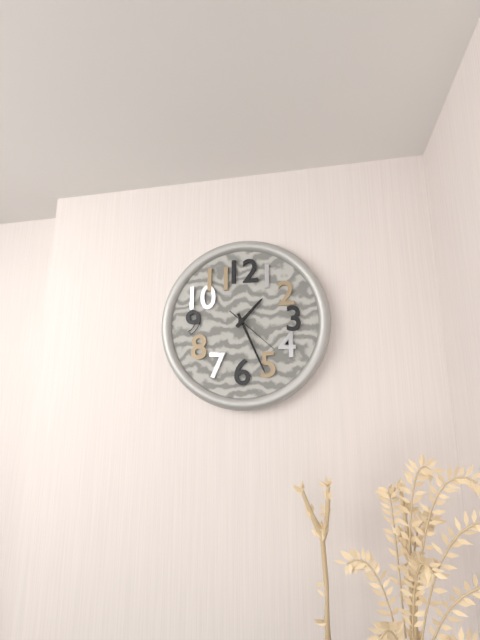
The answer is **1:26:22**
